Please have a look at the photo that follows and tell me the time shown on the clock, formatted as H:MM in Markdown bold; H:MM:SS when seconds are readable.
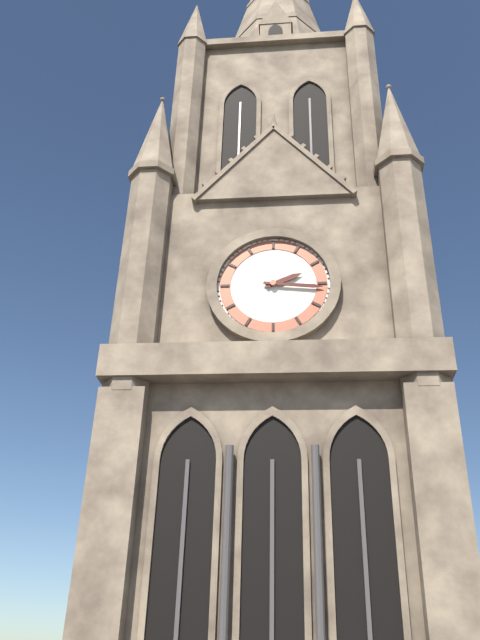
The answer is **2:16**
